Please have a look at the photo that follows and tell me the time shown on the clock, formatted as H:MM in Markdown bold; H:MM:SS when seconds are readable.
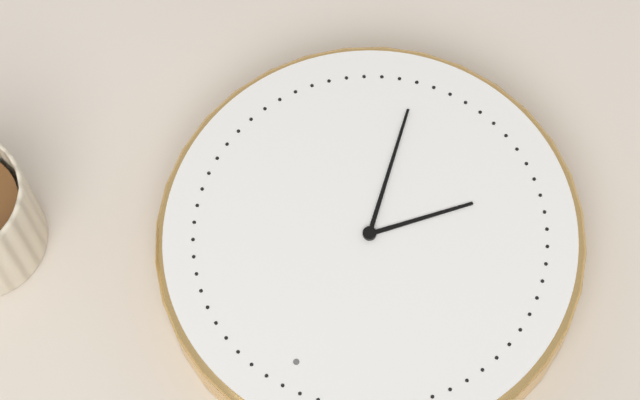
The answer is **7:28**
